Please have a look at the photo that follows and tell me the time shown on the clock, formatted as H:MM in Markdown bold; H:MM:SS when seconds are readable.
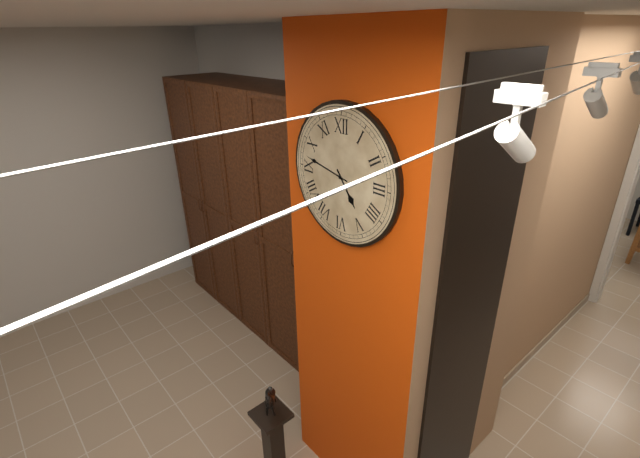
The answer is **4:47**
